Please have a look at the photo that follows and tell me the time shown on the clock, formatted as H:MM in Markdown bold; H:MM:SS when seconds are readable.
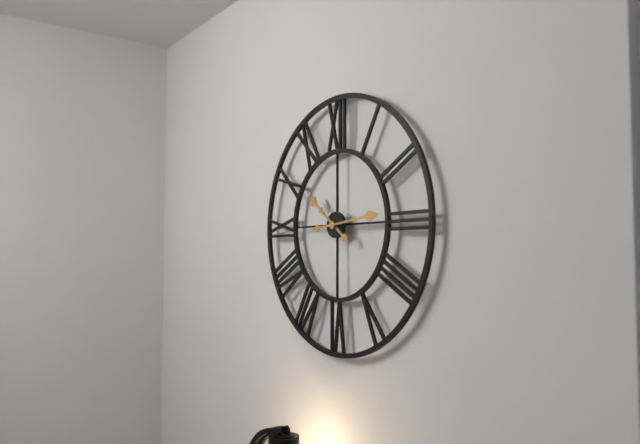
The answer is **10:14**
